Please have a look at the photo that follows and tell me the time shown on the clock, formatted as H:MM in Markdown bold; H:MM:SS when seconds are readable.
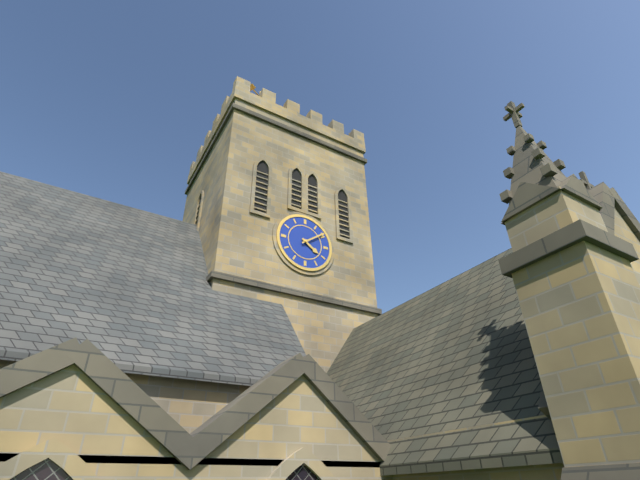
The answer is **4:09**
